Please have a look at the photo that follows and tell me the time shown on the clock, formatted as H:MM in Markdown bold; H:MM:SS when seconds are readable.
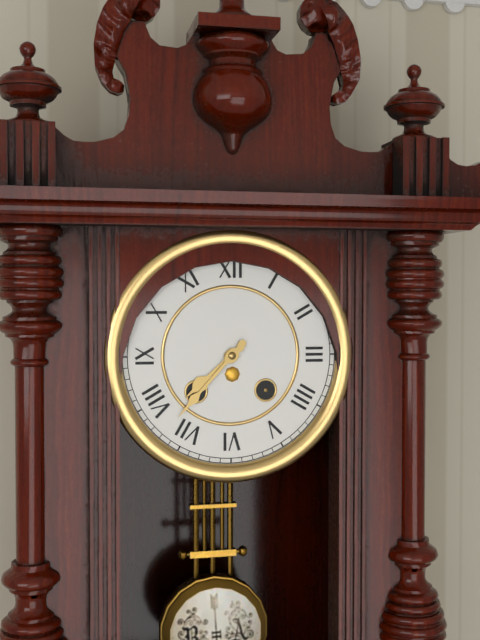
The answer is **7:37**
